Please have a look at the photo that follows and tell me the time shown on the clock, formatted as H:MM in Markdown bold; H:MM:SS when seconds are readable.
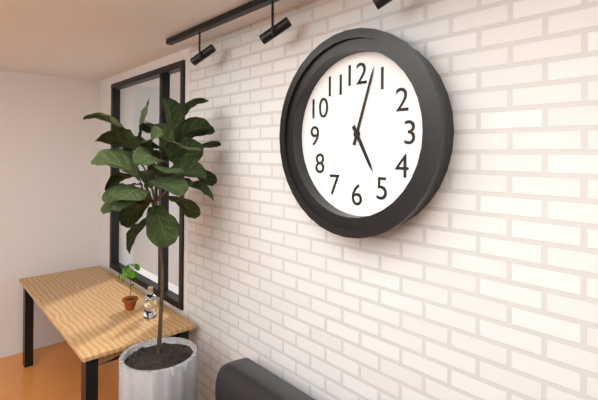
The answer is **5:03**
